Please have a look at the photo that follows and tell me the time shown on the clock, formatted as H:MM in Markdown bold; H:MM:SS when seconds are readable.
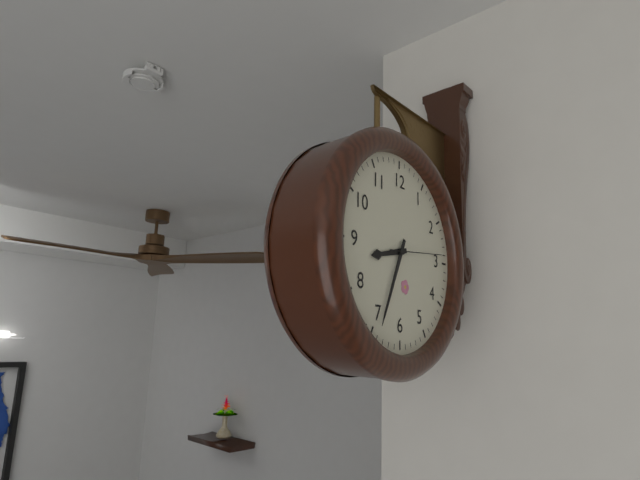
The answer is **8:34:14**
